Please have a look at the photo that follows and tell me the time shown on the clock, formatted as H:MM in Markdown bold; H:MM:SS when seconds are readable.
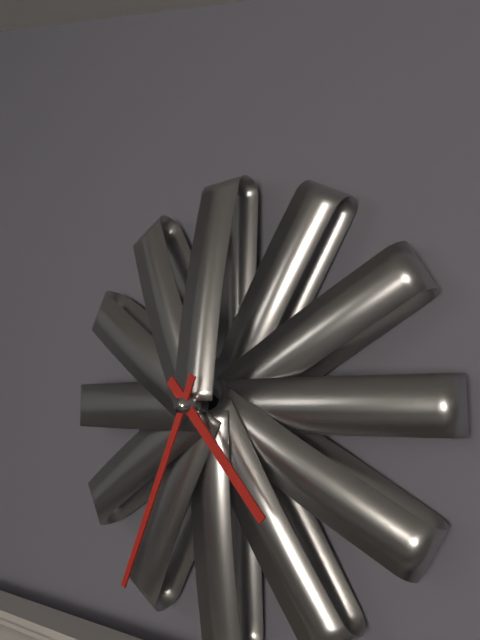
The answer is **4:34**
